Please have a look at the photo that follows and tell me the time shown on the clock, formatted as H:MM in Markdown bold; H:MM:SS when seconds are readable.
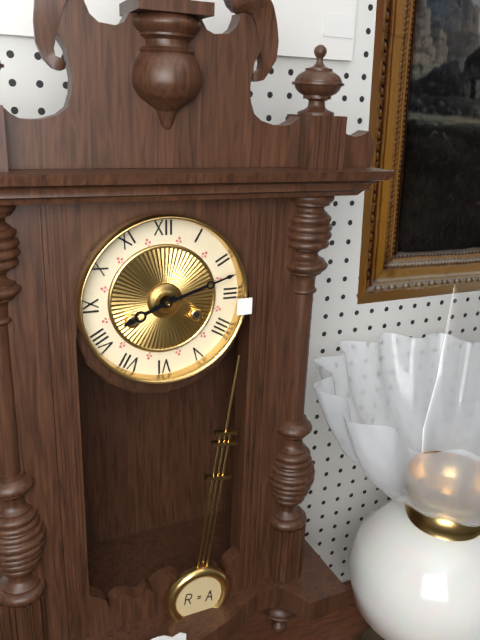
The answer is **8:12**
